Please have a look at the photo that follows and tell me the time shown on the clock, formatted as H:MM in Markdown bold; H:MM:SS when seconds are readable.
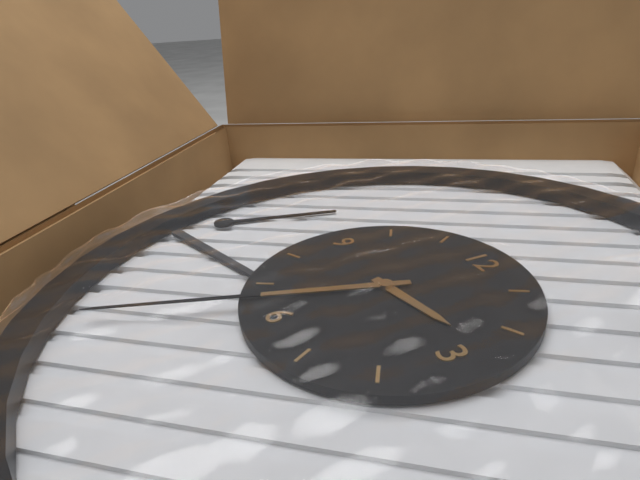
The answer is **2:33**
